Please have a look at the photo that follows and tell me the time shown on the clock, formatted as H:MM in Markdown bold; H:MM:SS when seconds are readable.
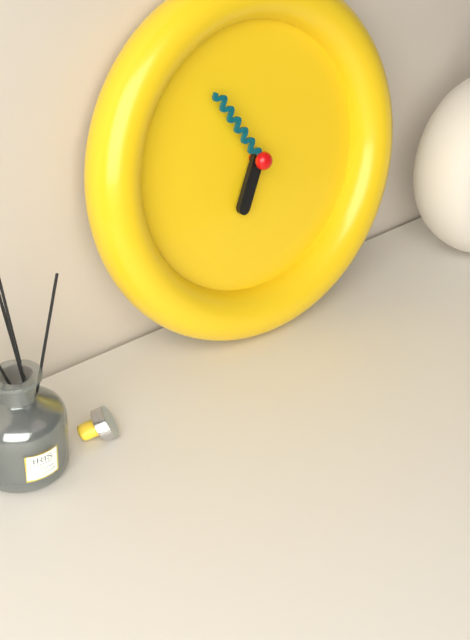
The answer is **6:55**
